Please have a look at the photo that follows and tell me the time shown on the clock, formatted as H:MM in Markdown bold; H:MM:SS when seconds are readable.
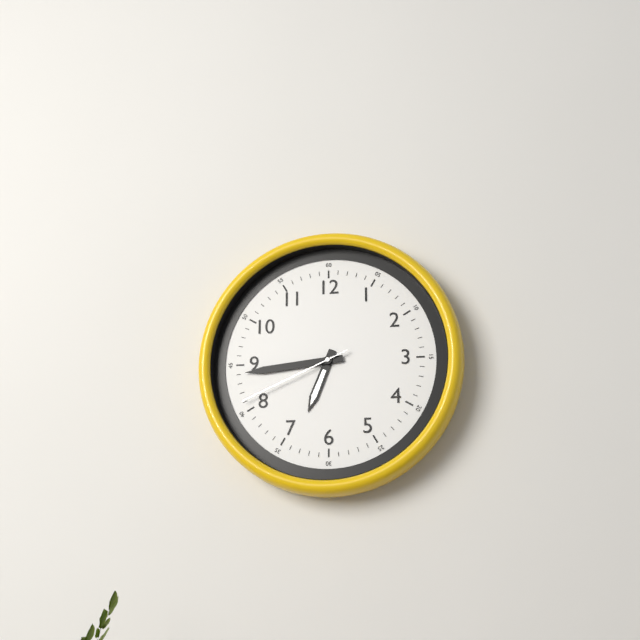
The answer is **6:44:41**
